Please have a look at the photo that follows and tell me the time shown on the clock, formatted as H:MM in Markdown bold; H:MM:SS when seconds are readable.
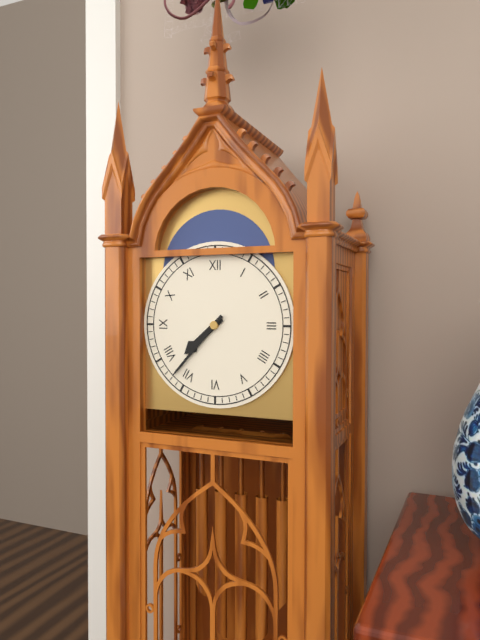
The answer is **7:37**
